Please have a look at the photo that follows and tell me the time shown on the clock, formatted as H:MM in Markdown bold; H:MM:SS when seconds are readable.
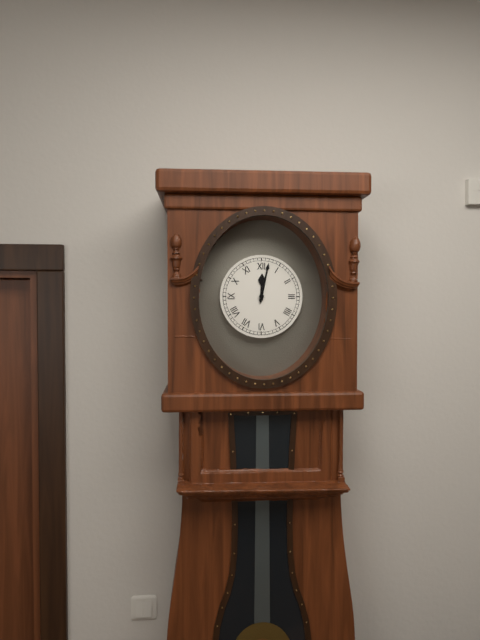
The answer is **12:02**
